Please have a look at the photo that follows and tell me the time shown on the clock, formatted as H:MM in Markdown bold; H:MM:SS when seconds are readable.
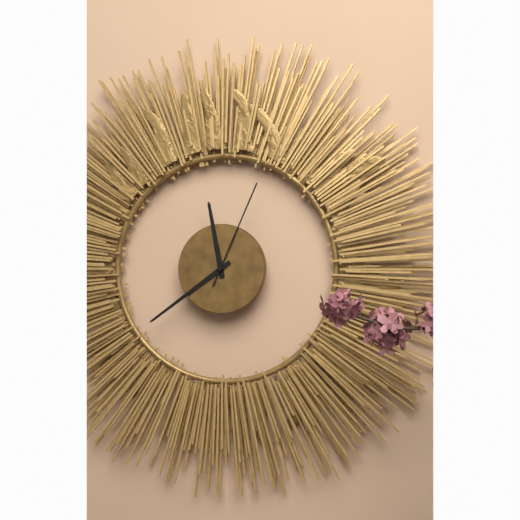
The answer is **11:39:04**
